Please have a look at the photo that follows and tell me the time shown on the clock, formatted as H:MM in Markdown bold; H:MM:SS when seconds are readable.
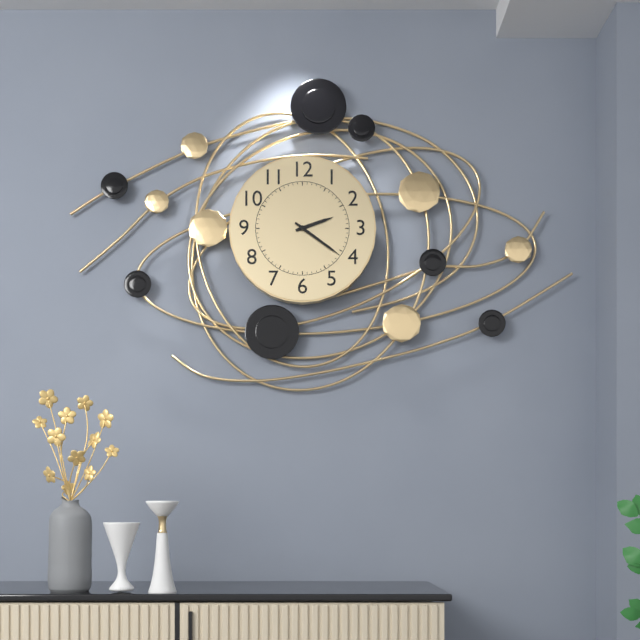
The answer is **2:21**
